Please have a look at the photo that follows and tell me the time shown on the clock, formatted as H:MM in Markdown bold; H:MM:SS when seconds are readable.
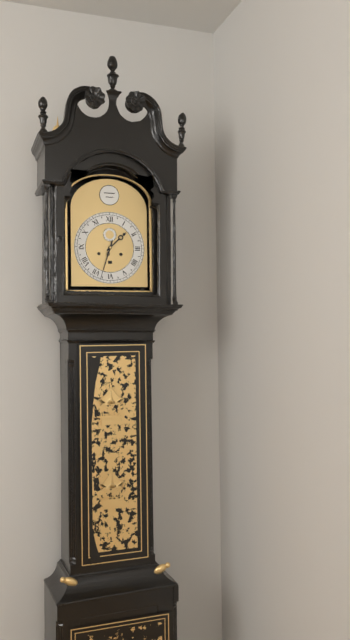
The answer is **1:33**
